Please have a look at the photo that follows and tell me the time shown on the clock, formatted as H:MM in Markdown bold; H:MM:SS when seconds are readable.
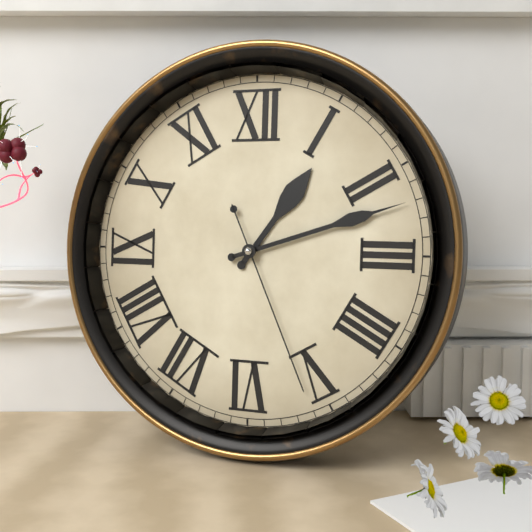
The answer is **1:12:26**
